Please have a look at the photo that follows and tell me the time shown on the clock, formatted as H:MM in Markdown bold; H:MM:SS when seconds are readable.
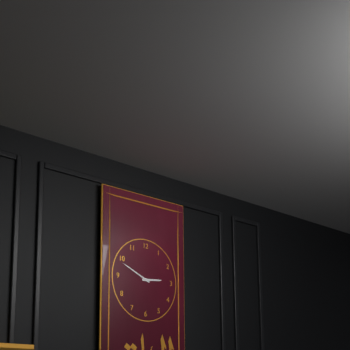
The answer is **2:49**
